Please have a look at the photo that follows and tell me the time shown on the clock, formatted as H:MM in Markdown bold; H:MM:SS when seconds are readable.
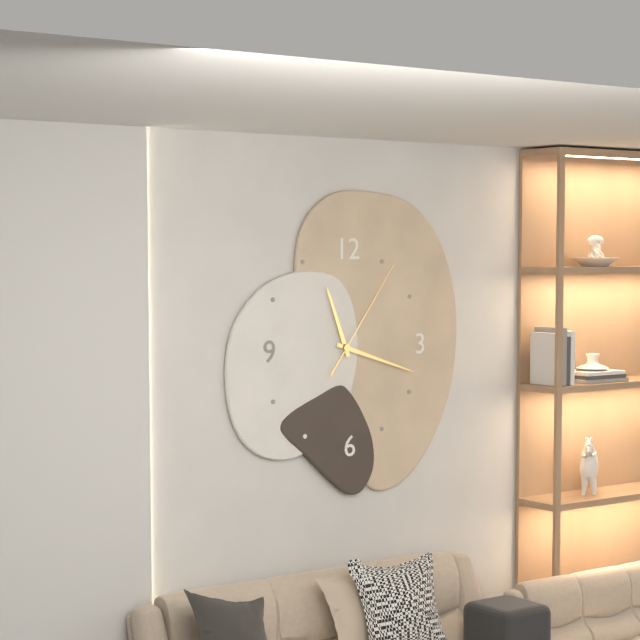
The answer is **11:18:06**
